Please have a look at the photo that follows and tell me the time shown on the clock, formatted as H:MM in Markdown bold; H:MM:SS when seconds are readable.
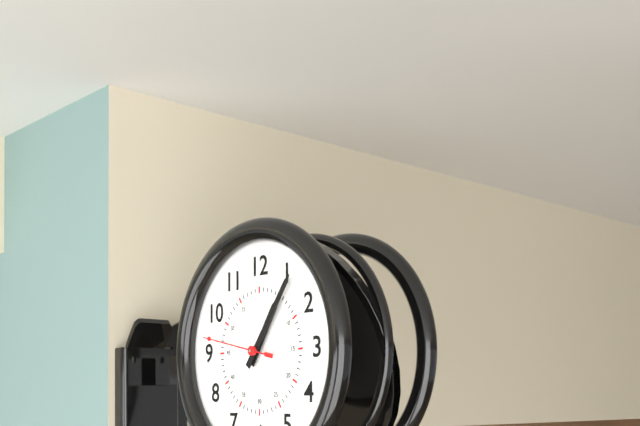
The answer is **1:06:47**
